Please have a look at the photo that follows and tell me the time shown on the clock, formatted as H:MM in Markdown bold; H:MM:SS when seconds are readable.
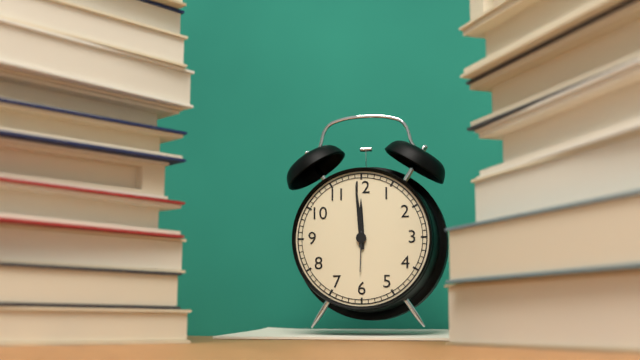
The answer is **11:59**
